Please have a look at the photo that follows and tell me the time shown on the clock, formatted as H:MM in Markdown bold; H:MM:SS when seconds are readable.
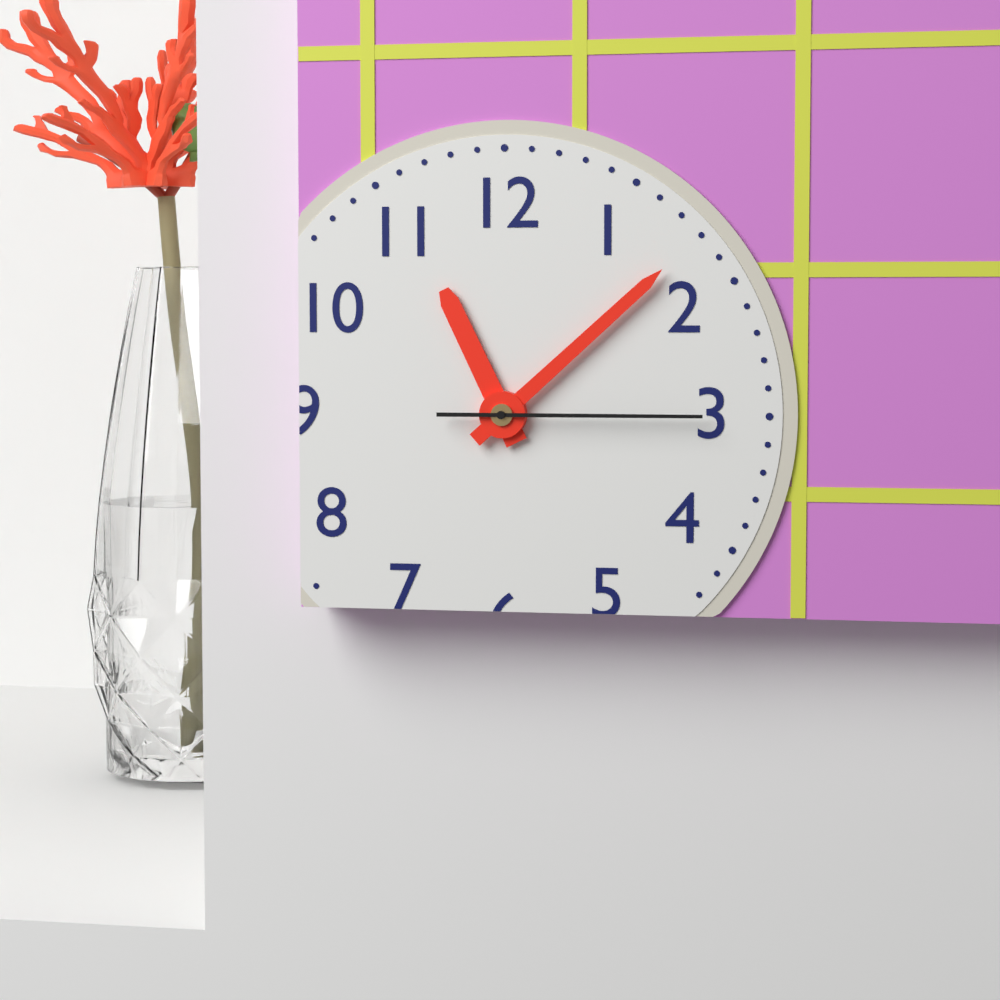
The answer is **11:08:15**
